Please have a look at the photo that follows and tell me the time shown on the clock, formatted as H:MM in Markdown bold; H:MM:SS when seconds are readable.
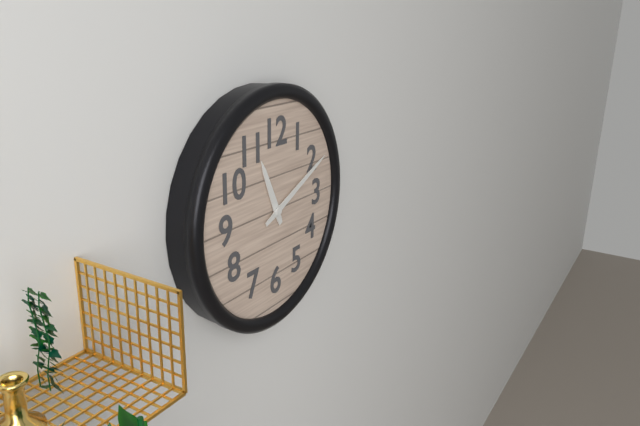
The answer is **11:11**
